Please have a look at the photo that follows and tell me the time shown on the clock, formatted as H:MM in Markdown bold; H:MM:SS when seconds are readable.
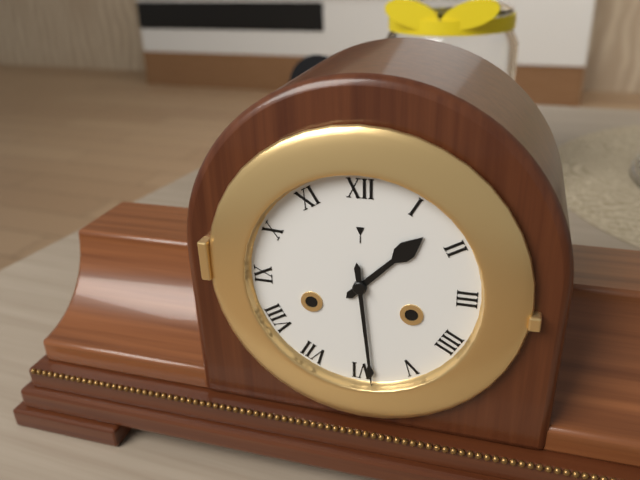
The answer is **1:29**
